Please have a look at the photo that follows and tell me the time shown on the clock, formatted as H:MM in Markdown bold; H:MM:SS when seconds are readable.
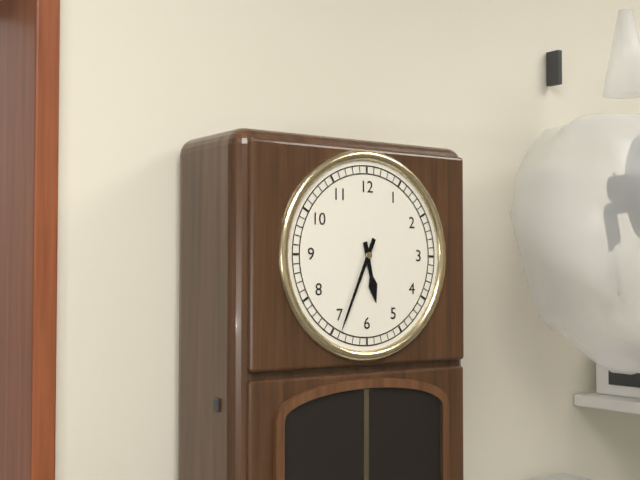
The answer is **5:34**
